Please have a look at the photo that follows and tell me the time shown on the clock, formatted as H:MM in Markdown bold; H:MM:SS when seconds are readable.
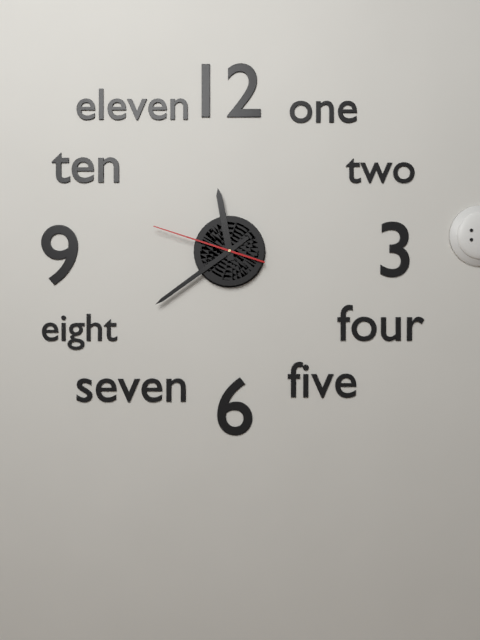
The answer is **11:39:48**
